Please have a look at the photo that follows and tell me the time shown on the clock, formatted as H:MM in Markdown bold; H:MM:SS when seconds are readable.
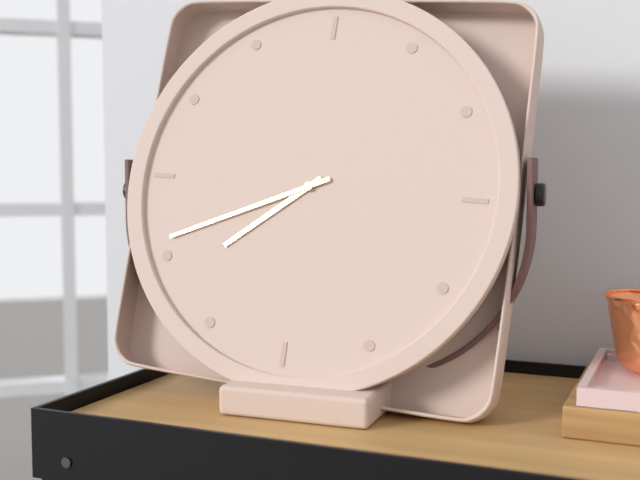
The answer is **7:41**
